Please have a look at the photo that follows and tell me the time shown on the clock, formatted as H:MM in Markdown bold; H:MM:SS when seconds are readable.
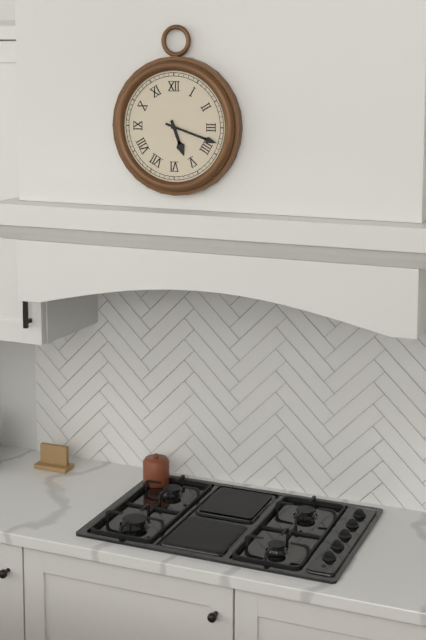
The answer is **5:18**
